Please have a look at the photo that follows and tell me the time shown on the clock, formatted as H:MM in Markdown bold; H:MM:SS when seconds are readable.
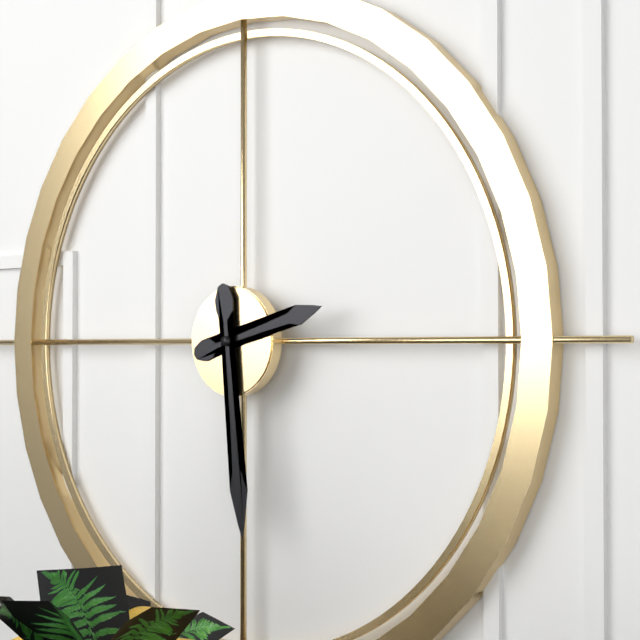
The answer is **2:29**
